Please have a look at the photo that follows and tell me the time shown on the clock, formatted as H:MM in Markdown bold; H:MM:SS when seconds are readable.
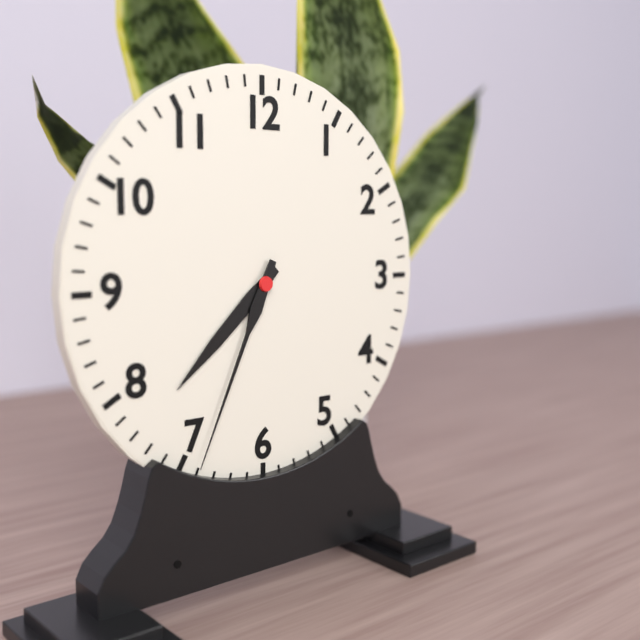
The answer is **7:34**
